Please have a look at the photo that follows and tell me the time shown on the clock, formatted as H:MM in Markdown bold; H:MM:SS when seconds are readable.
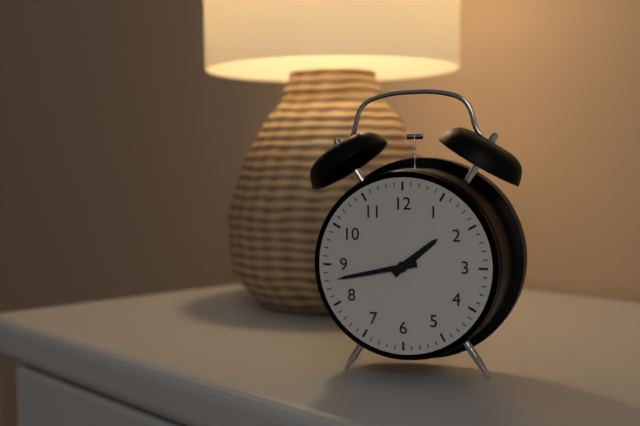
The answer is **1:43**
